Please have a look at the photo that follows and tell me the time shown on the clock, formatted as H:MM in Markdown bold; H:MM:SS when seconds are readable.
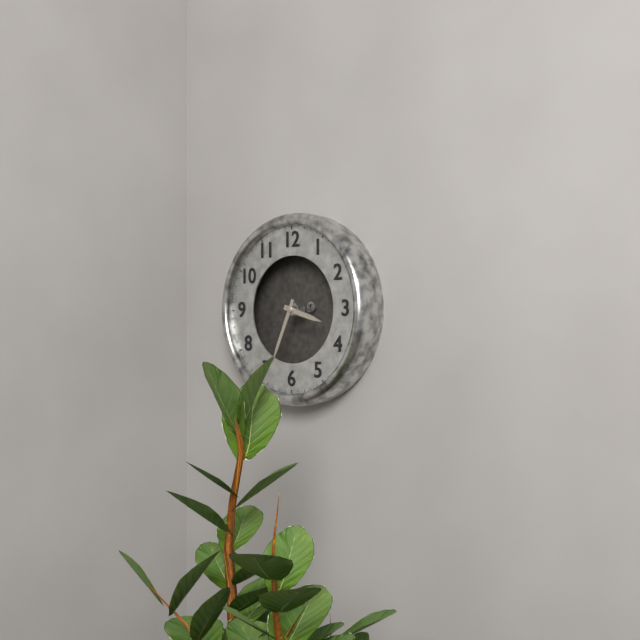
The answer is **3:34**
